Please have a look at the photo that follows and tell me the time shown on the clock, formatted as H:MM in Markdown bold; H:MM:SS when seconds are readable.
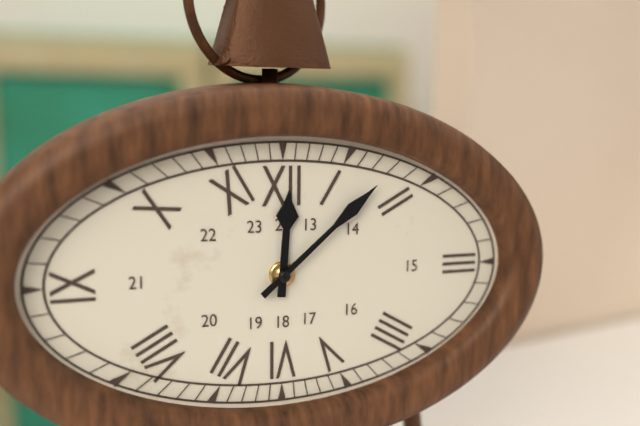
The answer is **12:08**
